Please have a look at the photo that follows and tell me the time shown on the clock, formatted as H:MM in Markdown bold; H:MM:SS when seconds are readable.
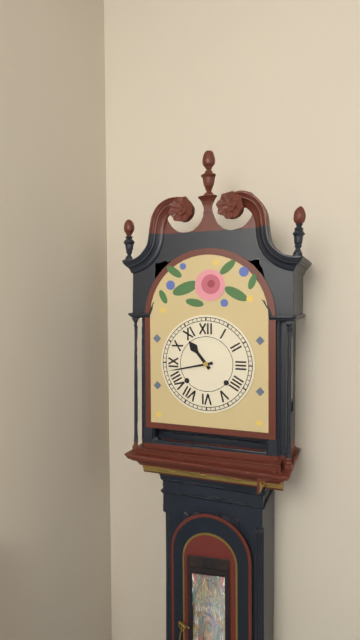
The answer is **10:43**
